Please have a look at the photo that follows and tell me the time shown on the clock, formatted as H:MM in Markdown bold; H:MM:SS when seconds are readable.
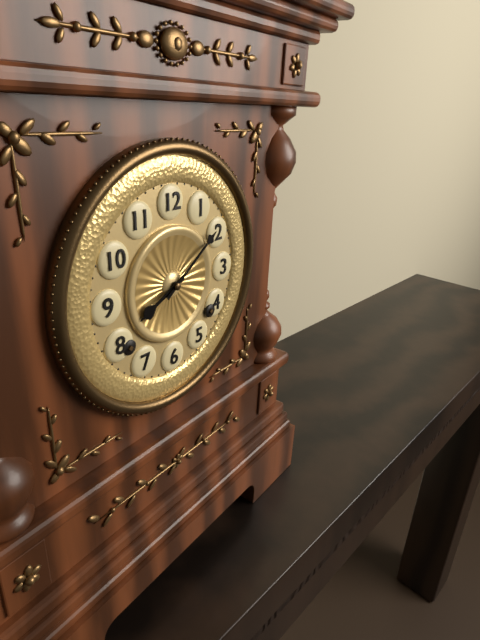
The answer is **8:09**
